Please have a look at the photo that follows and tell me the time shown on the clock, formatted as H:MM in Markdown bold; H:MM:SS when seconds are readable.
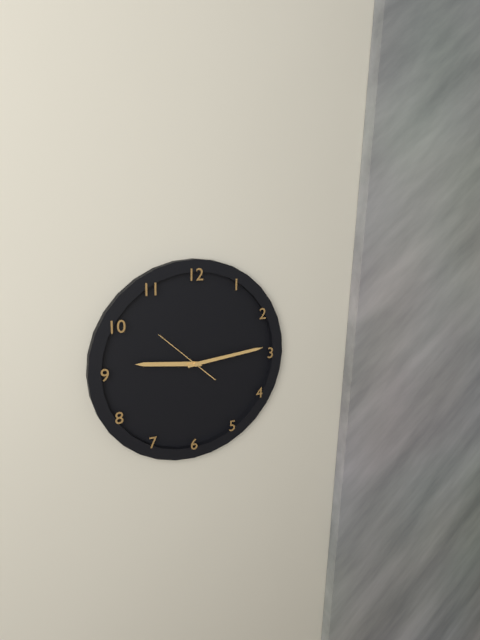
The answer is **9:14:52**
